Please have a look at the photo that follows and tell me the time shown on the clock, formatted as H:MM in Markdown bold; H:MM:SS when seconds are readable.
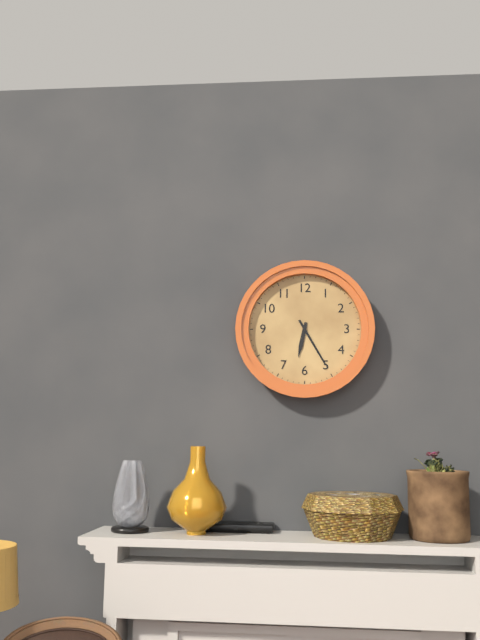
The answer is **6:25**
